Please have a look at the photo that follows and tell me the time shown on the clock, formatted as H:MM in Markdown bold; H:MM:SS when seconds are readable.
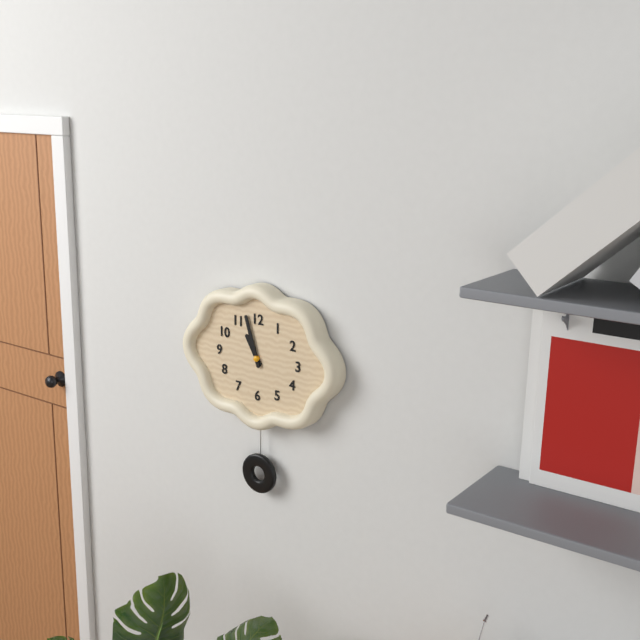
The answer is **10:57**
